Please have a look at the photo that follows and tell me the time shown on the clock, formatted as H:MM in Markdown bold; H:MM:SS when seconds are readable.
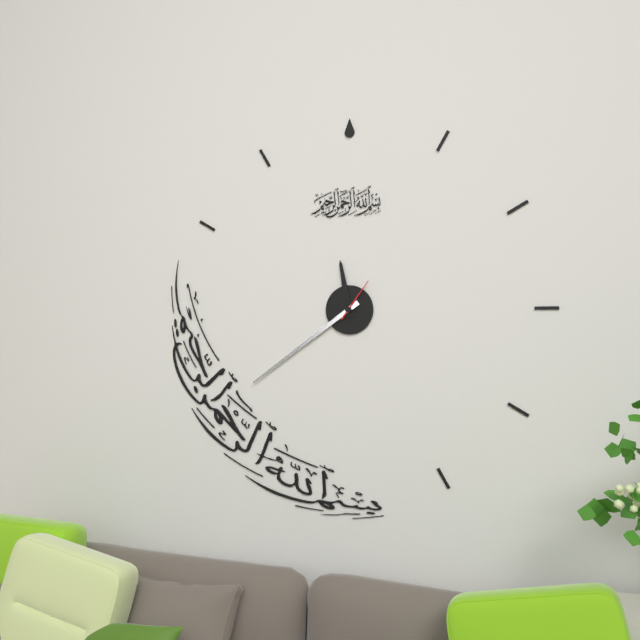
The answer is **11:39**
